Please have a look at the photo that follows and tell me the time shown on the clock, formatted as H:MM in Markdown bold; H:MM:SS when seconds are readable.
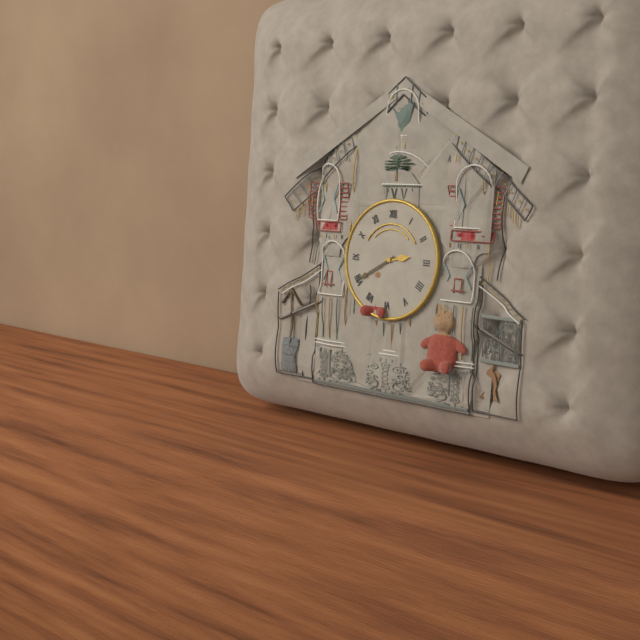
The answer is **2:40**
